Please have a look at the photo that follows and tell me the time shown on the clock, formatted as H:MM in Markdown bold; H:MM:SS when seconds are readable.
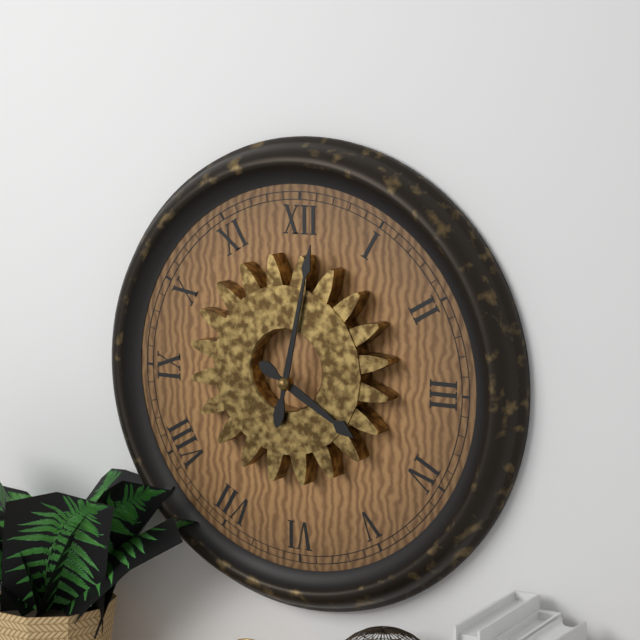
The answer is **4:02**
